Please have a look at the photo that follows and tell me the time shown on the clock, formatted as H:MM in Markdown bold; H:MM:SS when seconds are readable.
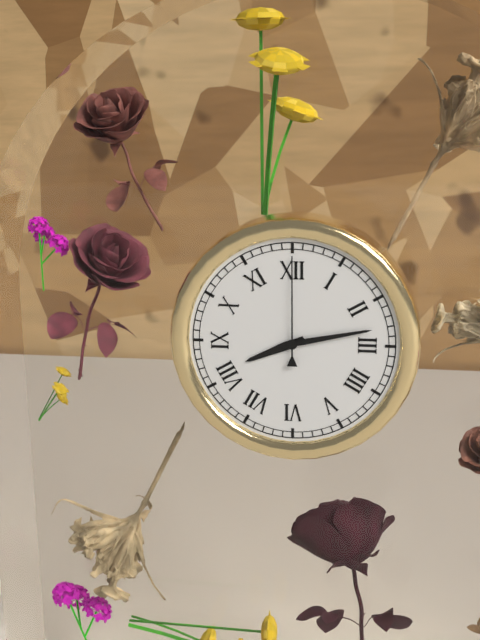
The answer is **8:13:00**
